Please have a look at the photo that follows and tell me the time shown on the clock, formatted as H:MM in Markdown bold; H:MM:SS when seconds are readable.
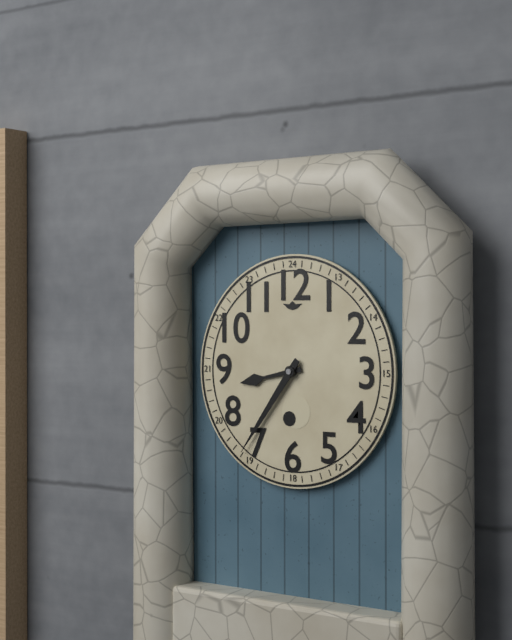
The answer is **8:36**
